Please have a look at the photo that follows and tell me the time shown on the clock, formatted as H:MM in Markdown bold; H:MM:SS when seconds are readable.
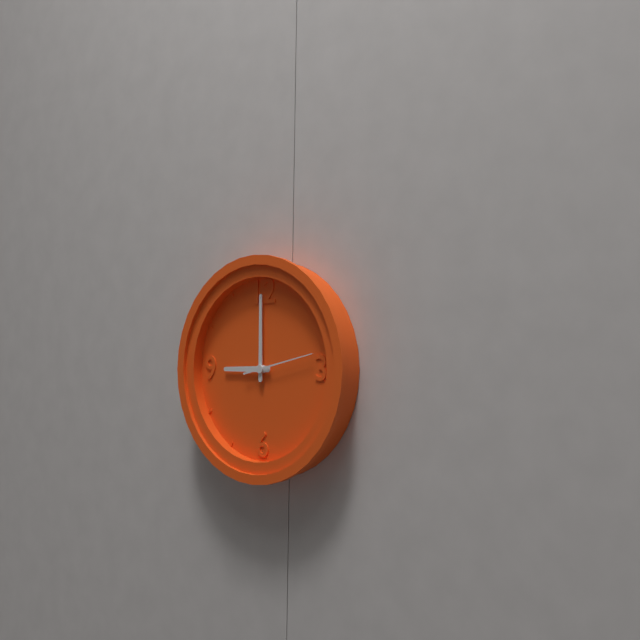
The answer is **9:00:13**
